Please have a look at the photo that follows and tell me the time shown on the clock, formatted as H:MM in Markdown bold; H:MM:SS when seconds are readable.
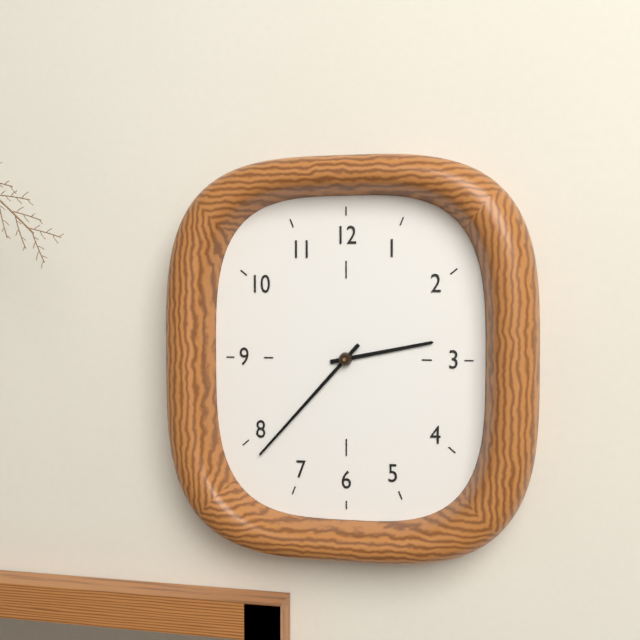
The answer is **2:37**
